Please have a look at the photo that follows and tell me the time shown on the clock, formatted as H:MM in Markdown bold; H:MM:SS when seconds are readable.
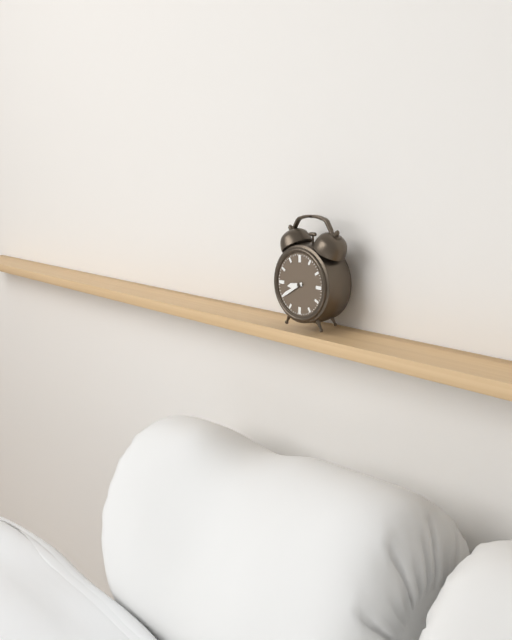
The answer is **8:40**
